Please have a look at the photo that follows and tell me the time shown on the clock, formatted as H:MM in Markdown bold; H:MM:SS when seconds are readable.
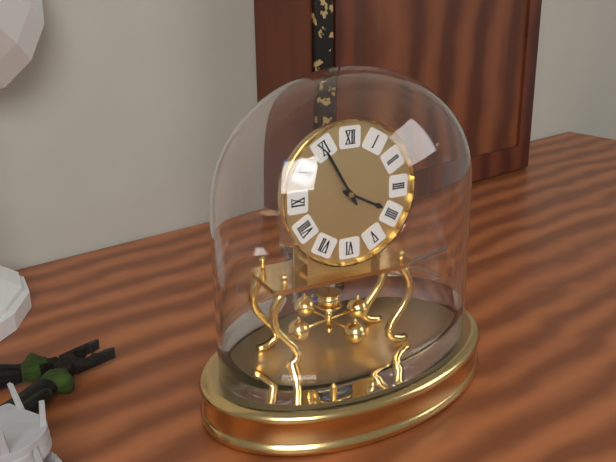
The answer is **3:55**
